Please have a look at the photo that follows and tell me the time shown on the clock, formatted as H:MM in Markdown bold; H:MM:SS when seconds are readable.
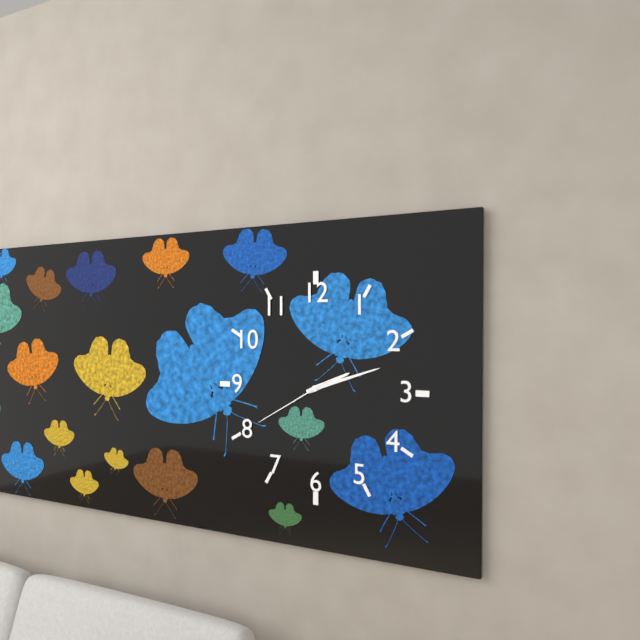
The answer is **2:12:40**
